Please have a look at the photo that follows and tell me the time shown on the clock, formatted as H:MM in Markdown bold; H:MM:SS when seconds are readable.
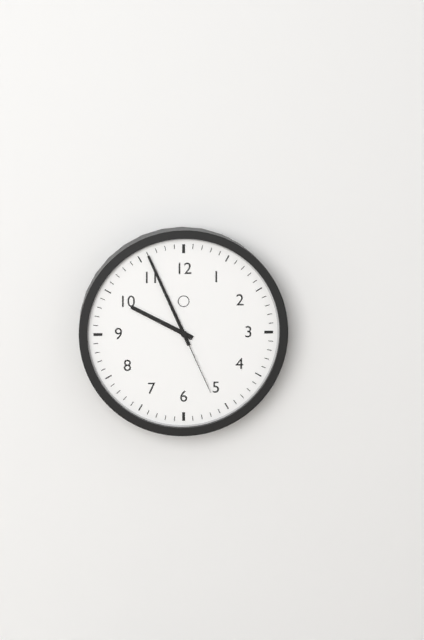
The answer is **9:56:26**
